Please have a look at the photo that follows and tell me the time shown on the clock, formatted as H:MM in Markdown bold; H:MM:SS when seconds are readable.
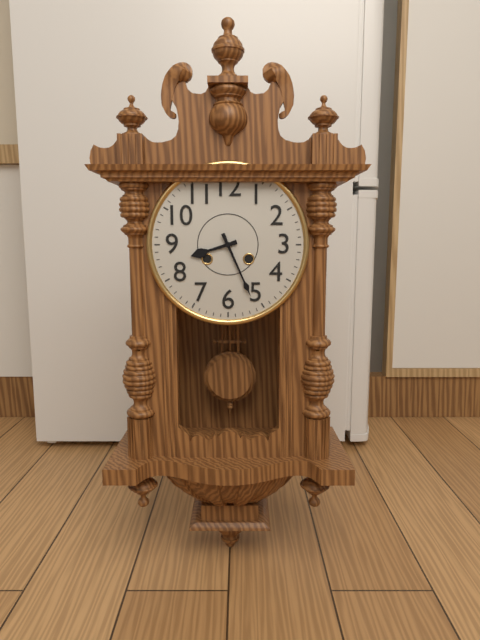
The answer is **8:26**
